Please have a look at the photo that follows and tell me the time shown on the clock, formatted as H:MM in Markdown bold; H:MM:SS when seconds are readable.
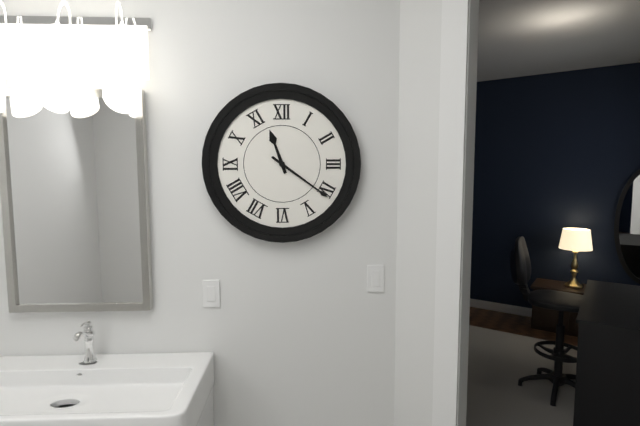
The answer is **11:21**
